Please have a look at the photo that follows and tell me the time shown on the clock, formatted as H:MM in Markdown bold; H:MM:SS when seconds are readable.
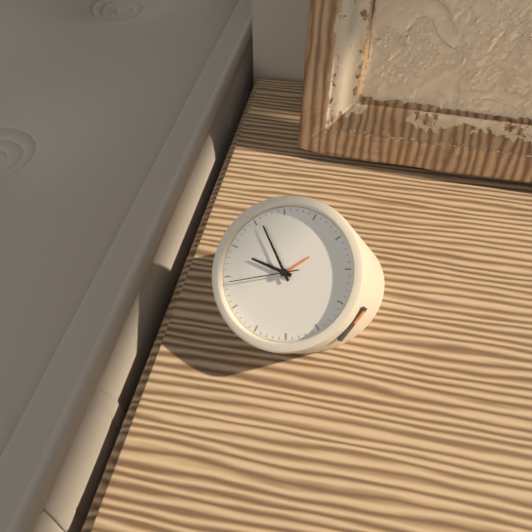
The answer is **8:51:39**
